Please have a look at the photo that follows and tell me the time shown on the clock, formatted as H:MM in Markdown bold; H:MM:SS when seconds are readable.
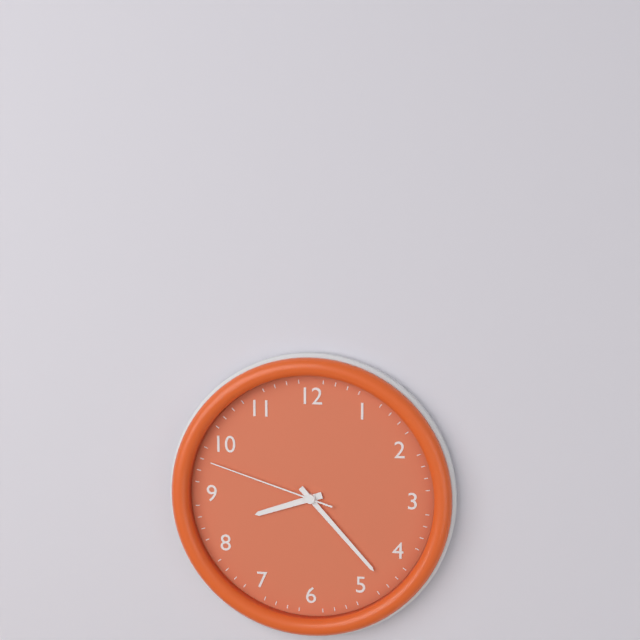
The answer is **8:23:48**
